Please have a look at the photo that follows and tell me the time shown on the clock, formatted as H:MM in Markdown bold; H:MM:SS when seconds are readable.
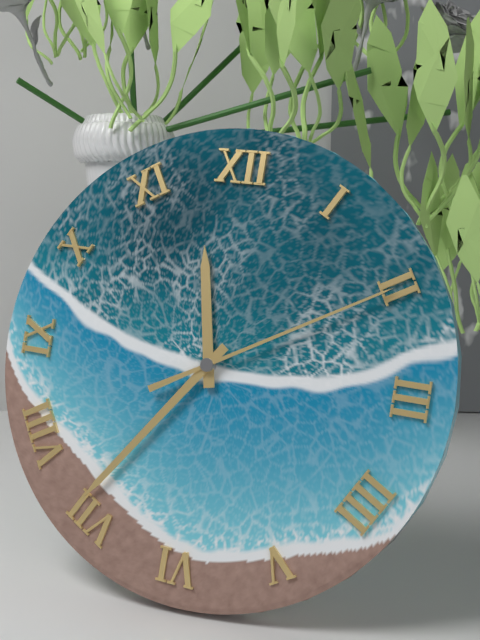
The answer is **11:36:10**
